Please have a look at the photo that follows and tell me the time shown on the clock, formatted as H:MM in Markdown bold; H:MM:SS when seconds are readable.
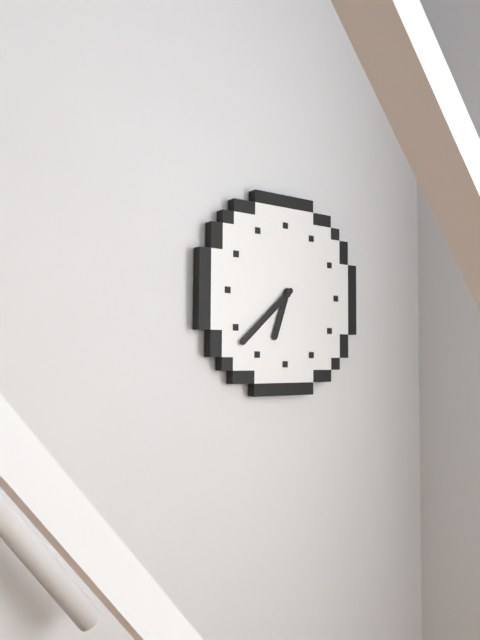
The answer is **6:38**
